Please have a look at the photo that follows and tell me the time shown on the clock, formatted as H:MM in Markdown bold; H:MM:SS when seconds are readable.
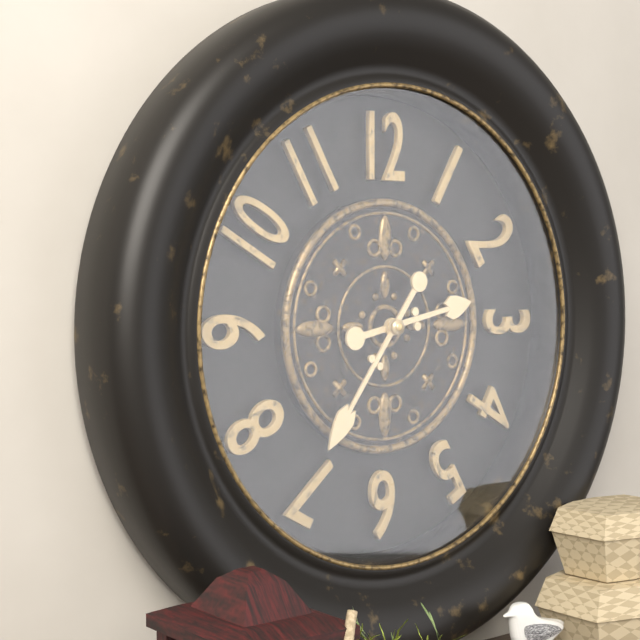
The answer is **2:36**
